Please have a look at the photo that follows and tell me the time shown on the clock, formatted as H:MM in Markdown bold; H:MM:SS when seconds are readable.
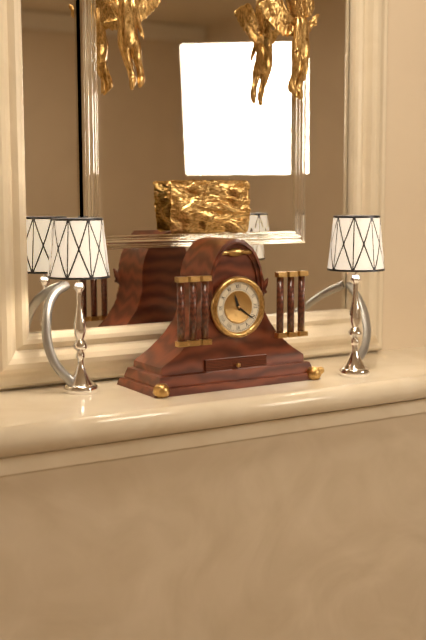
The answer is **11:21**
